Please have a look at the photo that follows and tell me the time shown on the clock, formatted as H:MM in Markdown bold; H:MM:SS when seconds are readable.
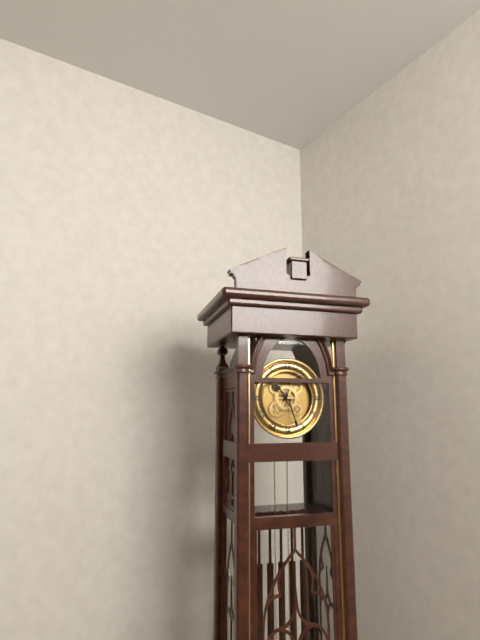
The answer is **10:27**
